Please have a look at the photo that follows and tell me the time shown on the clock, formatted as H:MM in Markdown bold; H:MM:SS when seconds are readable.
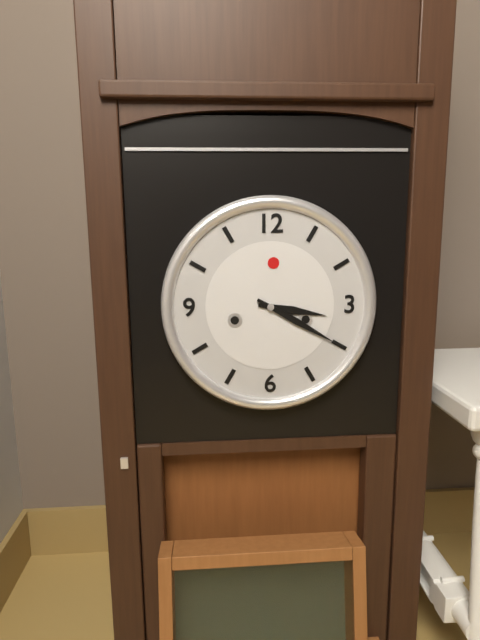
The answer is **3:20**
